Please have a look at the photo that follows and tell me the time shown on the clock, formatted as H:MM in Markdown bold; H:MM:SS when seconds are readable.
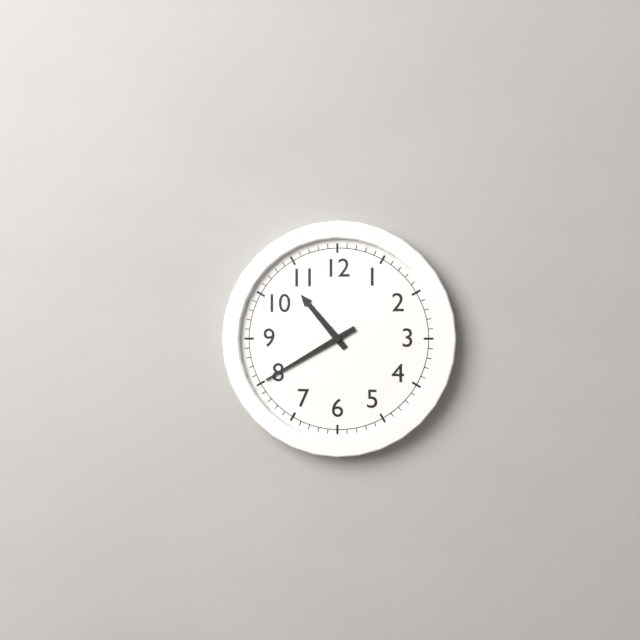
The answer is **10:40**
